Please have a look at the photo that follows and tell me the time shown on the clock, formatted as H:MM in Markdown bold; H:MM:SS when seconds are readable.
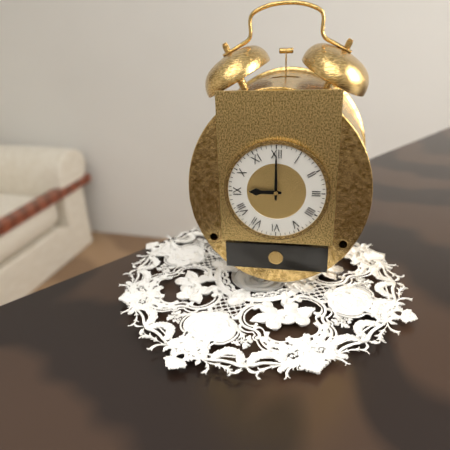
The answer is **9:00**
